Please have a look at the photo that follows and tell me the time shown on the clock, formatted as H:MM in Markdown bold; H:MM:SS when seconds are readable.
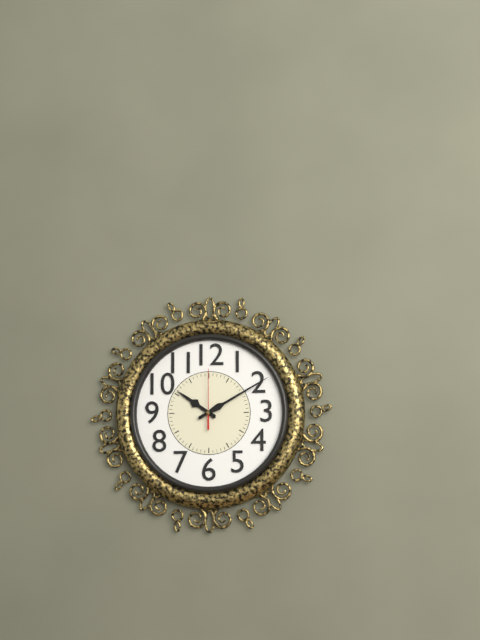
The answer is **10:10:00**
